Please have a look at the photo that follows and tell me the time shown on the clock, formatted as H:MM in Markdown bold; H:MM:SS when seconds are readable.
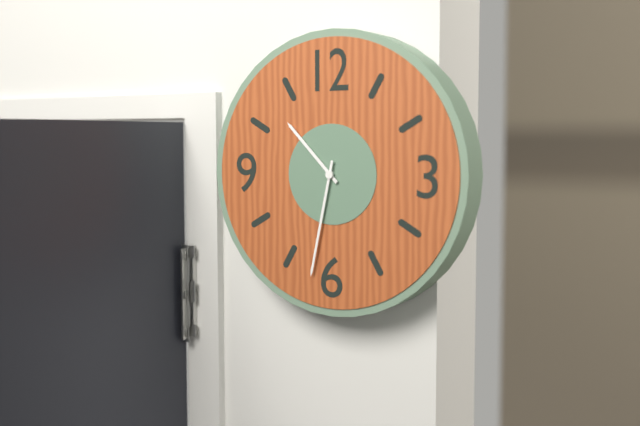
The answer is **10:32**
